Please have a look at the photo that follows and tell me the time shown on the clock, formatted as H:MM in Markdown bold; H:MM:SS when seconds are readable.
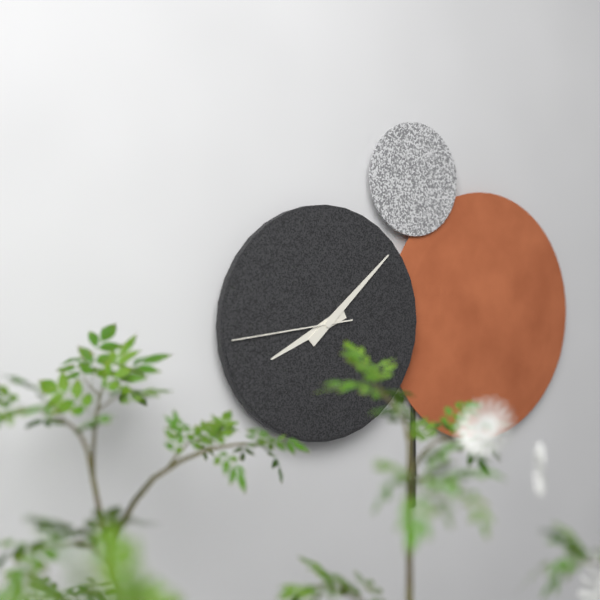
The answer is **8:08:44**
